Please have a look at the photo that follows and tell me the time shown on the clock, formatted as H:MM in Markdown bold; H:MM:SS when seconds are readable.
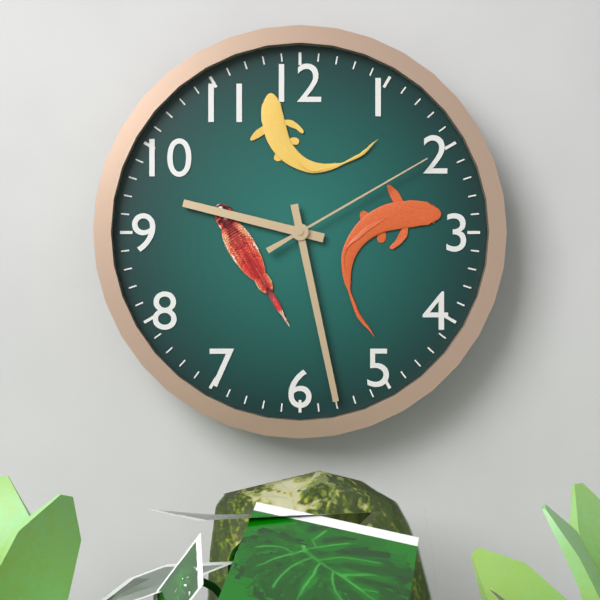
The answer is **9:28:10**
